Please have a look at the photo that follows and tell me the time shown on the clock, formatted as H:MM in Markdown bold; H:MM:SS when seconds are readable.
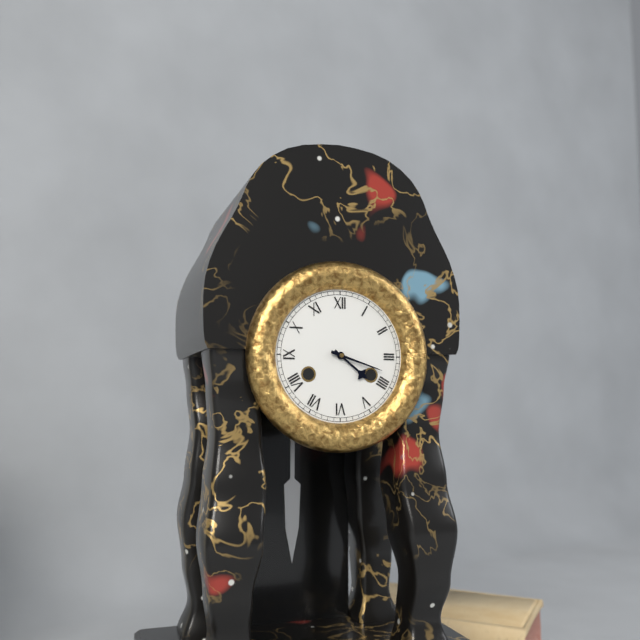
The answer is **4:18**
